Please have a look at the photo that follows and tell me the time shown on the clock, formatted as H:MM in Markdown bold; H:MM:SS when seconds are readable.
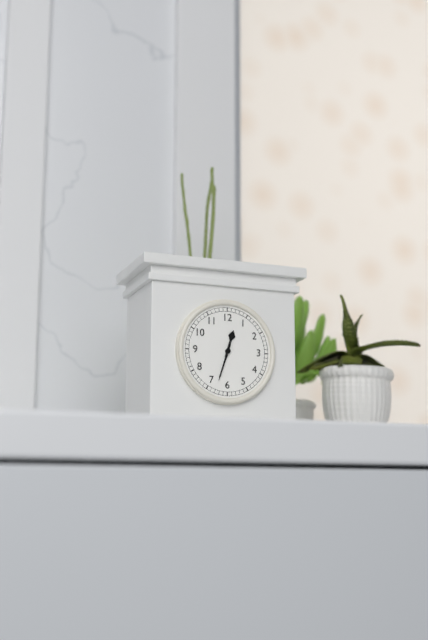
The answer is **12:33**
